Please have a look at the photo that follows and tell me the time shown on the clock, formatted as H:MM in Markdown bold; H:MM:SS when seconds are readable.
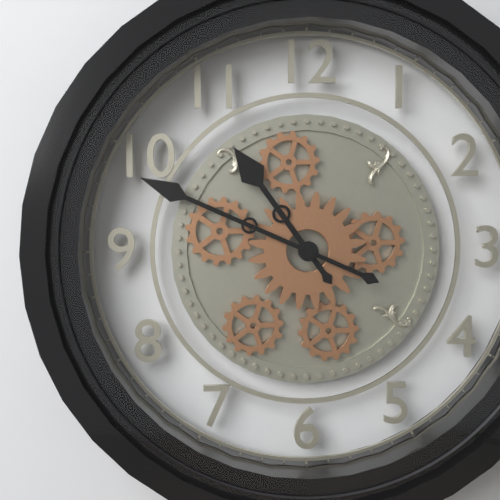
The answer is **10:49**
